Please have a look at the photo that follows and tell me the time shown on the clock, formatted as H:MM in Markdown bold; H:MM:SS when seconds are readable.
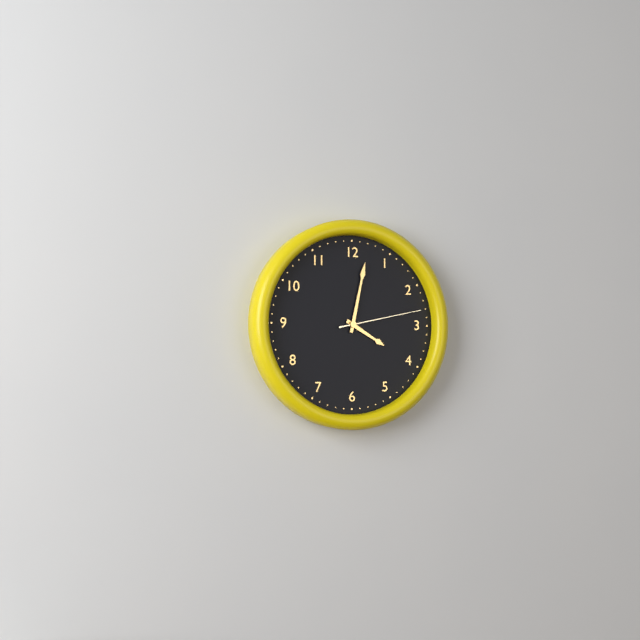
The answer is **4:02:13**
